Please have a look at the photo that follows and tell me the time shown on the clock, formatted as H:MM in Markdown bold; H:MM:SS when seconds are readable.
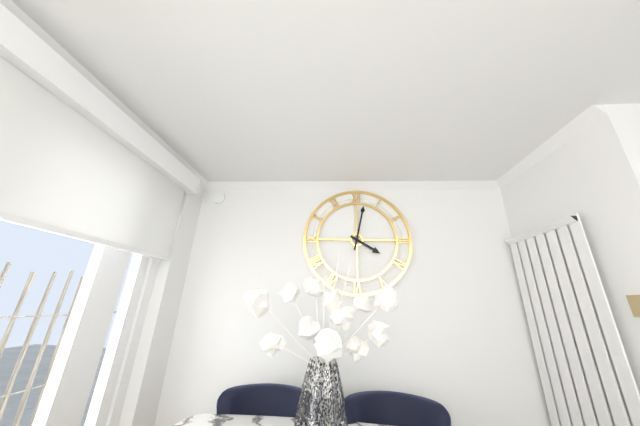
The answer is **4:02**
